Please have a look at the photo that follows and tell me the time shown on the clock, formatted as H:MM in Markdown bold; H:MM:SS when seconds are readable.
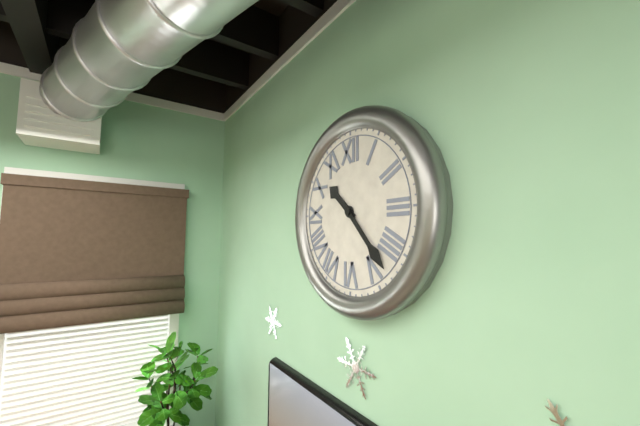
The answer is **10:23**
